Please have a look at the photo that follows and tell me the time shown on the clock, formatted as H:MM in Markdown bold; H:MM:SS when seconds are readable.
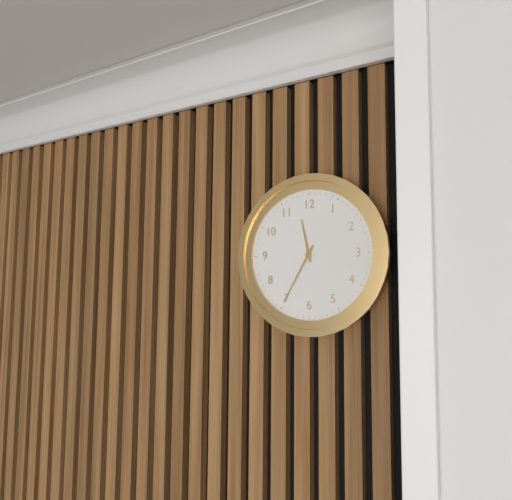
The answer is **11:35**
